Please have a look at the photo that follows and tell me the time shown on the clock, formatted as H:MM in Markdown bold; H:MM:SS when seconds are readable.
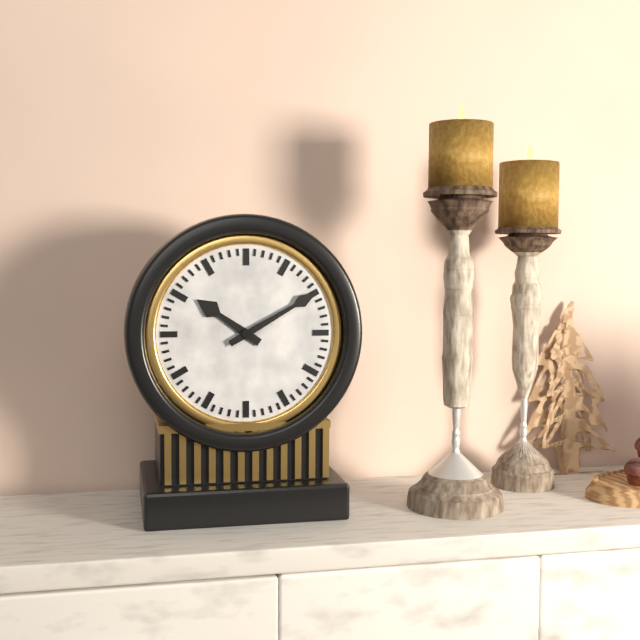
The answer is **10:10**
